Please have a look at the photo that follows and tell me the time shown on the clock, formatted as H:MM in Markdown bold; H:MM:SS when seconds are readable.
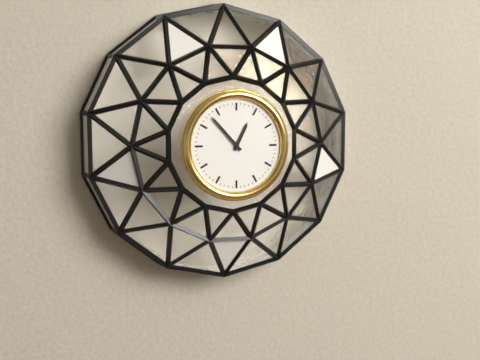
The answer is **12:53**
